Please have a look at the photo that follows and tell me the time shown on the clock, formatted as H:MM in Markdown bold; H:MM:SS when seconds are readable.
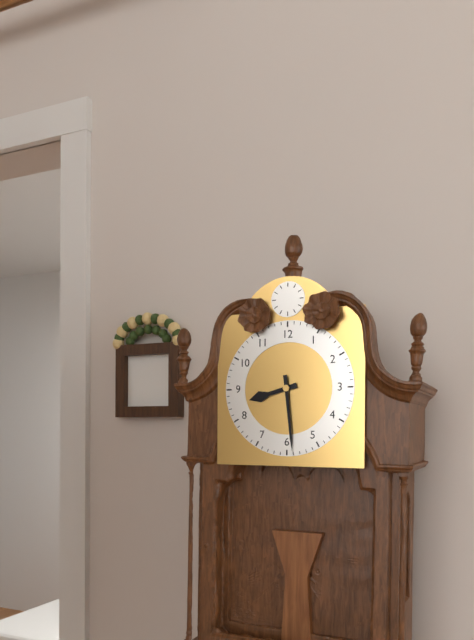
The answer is **8:29**
